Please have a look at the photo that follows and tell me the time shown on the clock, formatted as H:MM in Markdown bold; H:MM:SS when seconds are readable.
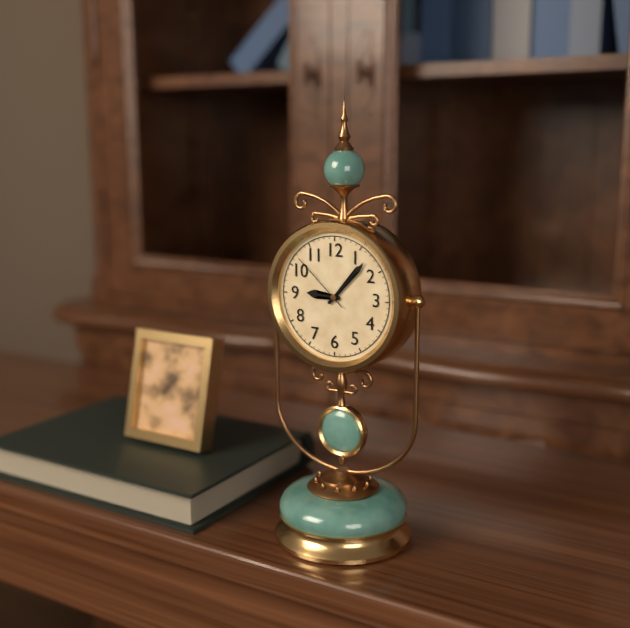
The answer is **9:07:52**
